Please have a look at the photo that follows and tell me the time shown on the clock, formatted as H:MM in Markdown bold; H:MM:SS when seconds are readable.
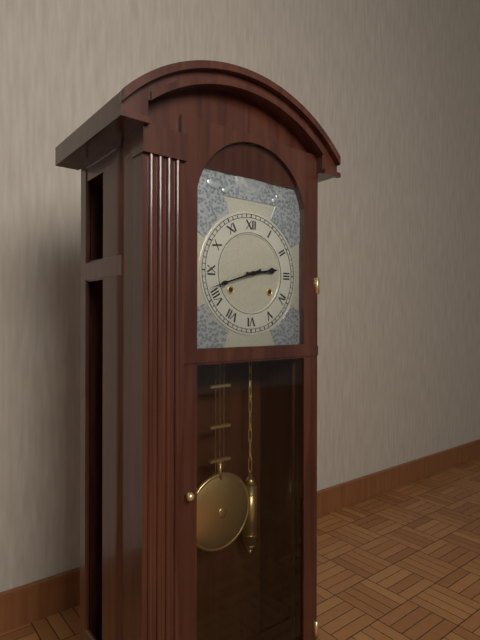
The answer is **2:42**
